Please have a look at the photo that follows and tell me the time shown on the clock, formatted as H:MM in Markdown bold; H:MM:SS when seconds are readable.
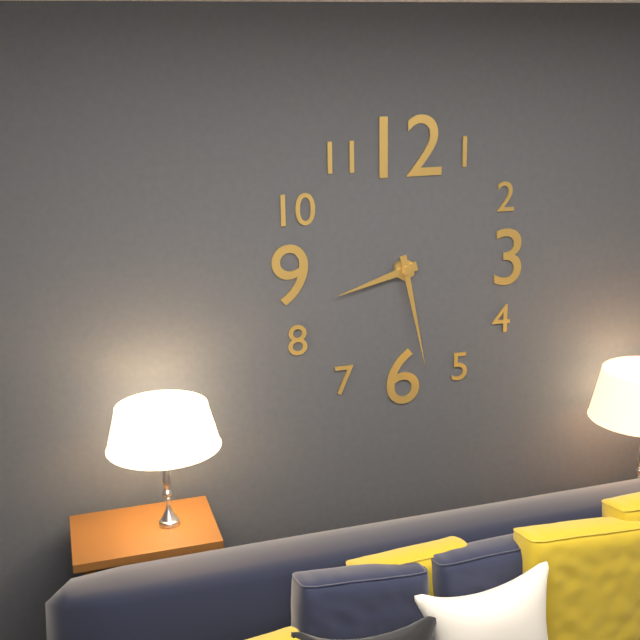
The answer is **8:28**
